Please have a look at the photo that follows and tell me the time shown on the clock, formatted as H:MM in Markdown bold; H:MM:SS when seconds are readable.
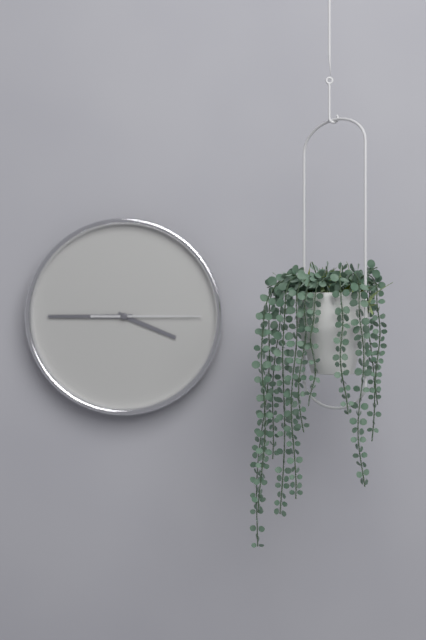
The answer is **3:45:15**
